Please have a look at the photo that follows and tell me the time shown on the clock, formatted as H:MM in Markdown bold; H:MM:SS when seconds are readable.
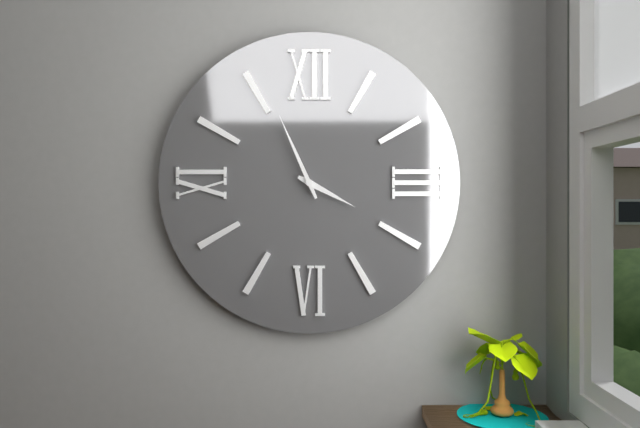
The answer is **3:56**
